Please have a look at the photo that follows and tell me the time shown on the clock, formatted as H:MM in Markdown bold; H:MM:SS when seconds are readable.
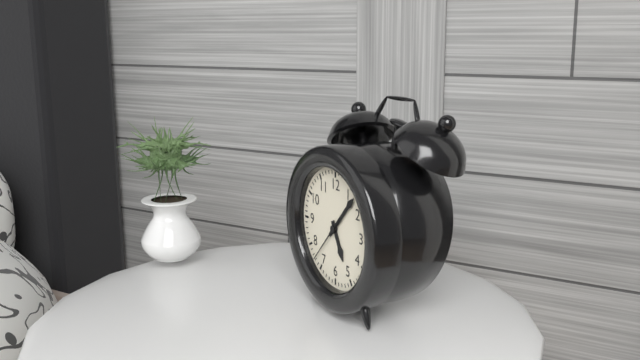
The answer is **5:07**
